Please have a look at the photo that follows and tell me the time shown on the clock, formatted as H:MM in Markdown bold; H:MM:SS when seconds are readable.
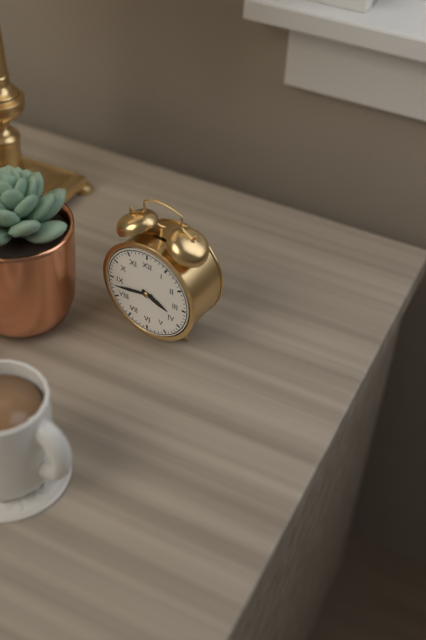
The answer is **3:43**
